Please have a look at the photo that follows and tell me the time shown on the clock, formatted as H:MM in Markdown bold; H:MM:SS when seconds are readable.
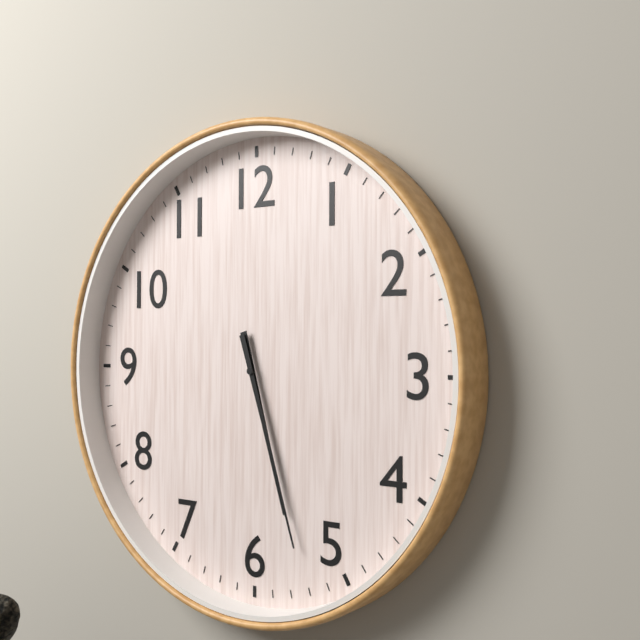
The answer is **5:27**
